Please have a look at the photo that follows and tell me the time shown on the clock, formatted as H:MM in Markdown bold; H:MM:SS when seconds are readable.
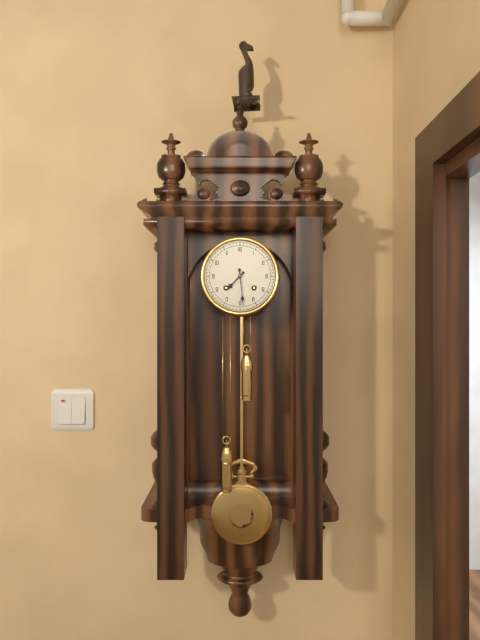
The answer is **7:29**
